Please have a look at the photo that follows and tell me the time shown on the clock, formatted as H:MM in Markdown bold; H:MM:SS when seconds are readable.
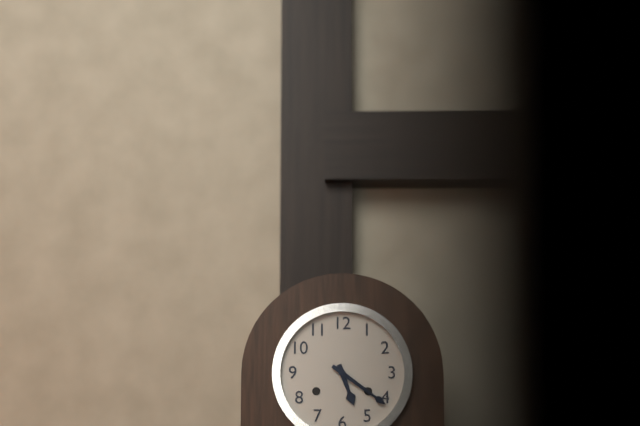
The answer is **5:21**
